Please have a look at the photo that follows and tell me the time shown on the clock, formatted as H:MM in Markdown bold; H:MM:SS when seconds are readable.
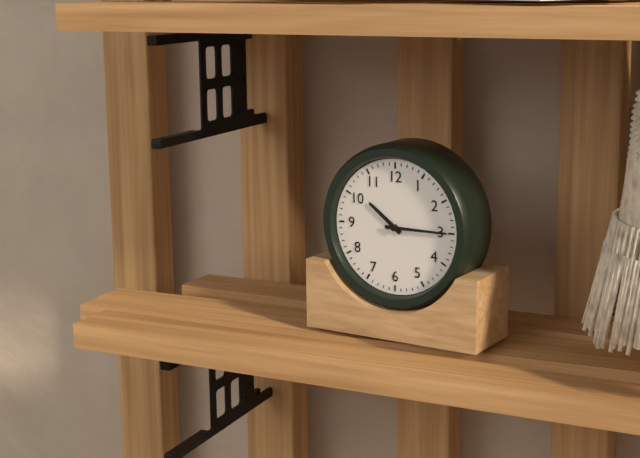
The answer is **10:15**
